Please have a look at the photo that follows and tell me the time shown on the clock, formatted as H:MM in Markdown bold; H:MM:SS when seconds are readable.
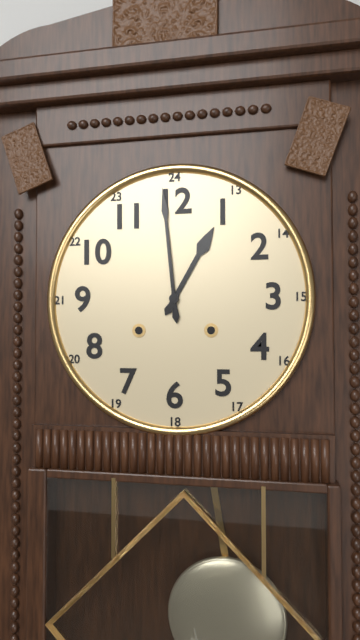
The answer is **12:59**
